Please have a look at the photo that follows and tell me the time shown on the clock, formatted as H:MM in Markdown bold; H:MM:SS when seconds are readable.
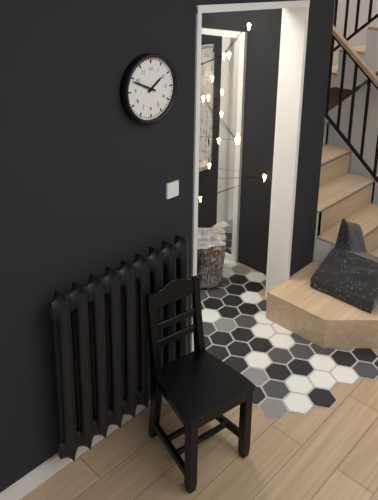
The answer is **1:49**
